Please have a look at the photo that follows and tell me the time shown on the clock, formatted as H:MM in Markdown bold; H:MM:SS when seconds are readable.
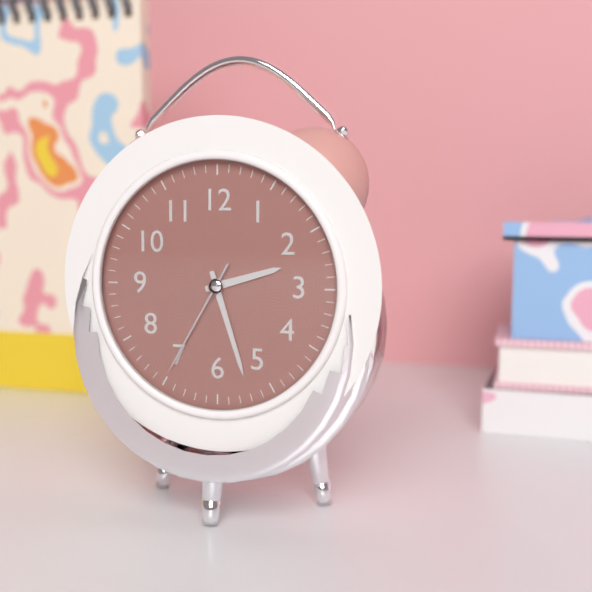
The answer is **2:27:35**
